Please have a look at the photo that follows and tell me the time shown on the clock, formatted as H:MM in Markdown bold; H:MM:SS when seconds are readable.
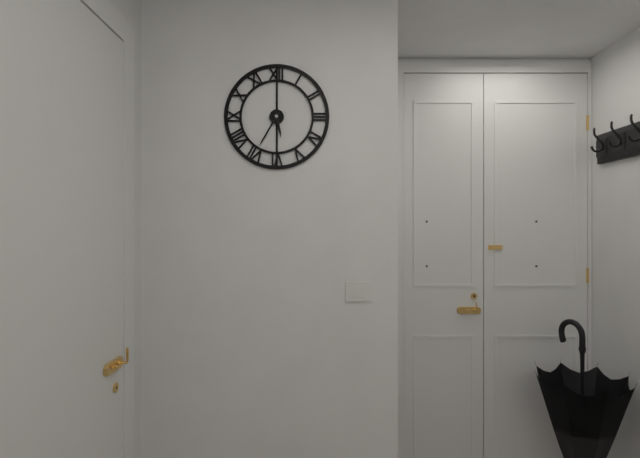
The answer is **5:35**
